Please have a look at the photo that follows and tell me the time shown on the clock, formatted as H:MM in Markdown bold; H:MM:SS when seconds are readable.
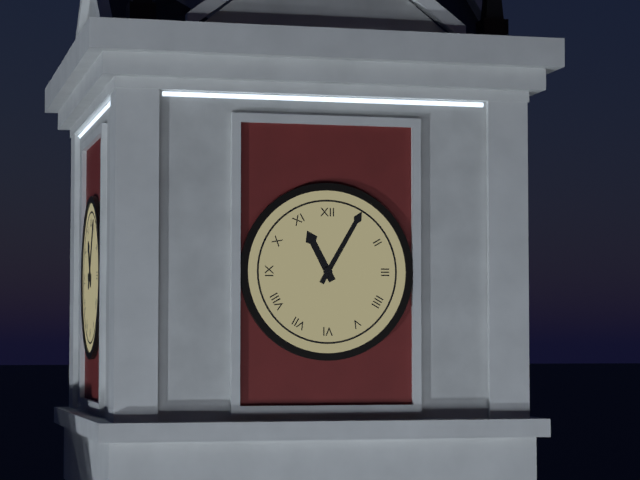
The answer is **11:05**
